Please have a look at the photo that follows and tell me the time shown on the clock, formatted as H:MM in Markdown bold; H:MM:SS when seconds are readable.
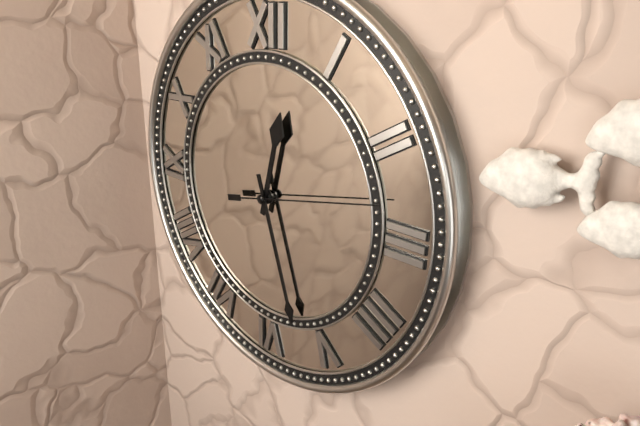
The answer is **12:27:13**
